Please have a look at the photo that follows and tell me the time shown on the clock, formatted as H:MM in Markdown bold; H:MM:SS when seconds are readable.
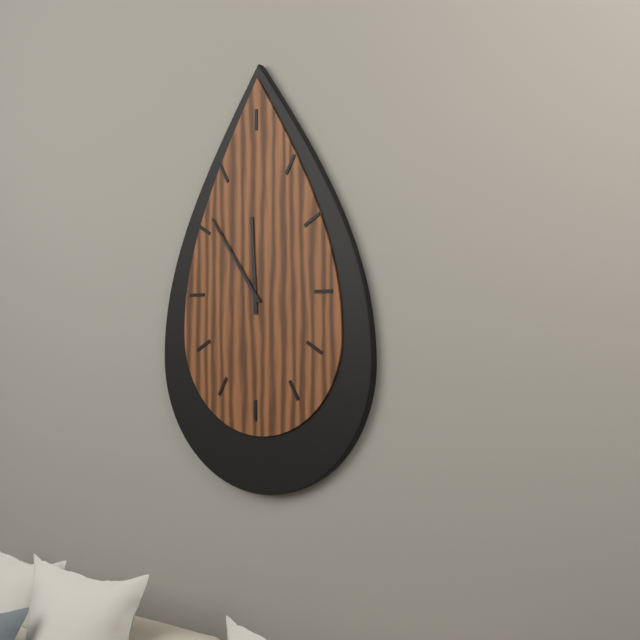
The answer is **11:54**
